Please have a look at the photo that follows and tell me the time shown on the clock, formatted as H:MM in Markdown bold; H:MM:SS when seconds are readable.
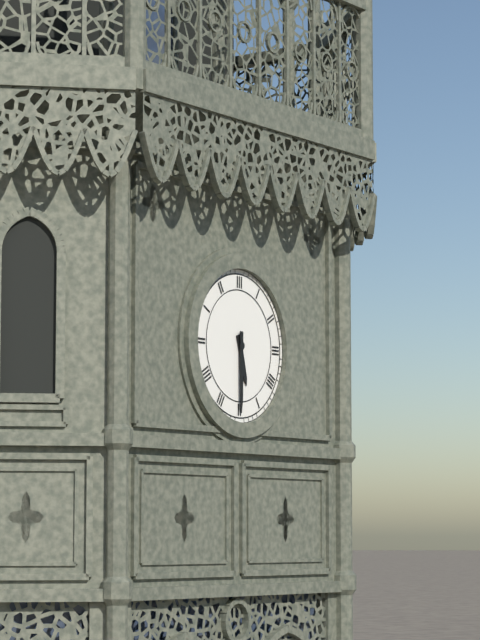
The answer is **5:30**
